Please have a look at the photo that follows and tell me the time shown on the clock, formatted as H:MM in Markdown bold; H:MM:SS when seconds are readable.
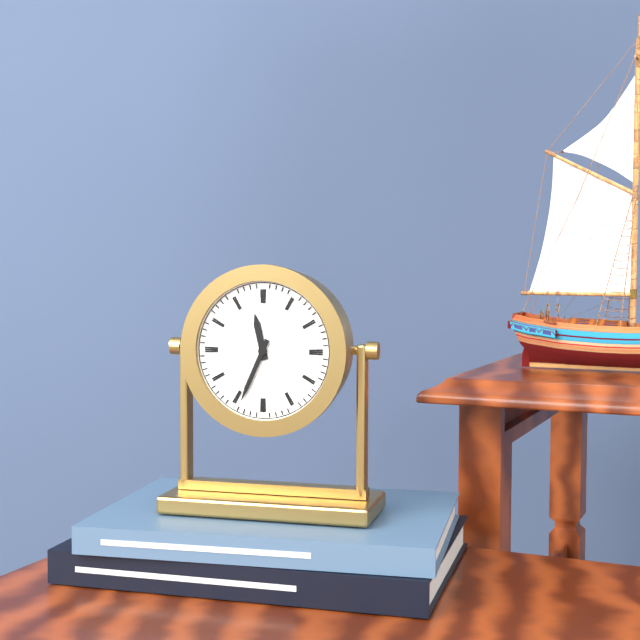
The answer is **11:34**
